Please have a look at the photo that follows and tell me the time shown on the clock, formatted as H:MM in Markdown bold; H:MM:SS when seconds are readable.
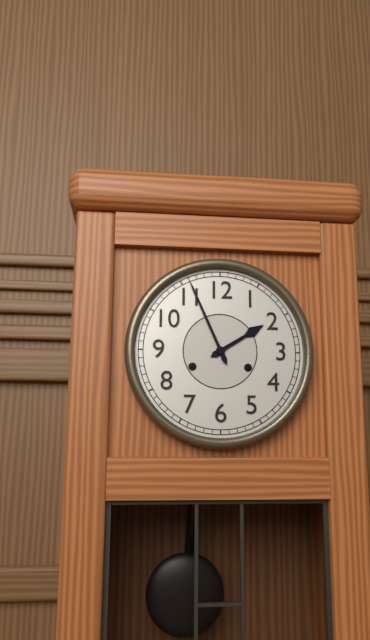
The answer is **1:56**
